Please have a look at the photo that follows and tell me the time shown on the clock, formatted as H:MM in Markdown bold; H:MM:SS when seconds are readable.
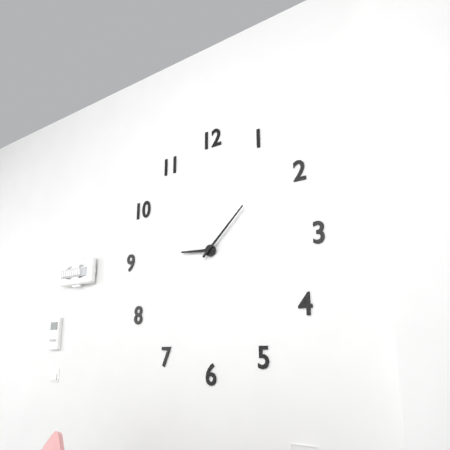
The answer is **9:08**
